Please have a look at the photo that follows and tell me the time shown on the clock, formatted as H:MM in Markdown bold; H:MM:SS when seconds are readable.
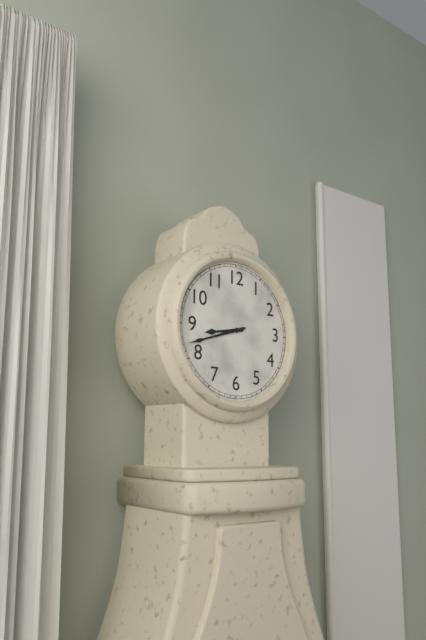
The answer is **8:42**
